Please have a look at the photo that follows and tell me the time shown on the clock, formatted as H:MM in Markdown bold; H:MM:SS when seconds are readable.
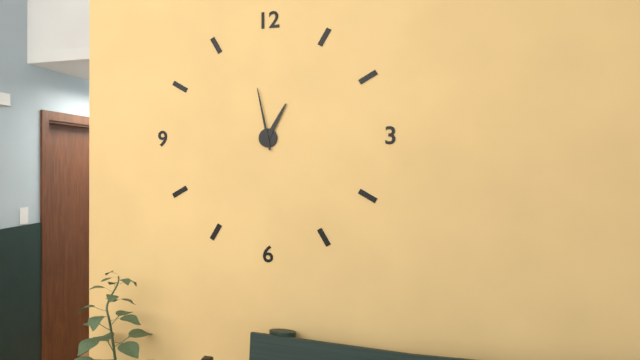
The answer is **12:58**
